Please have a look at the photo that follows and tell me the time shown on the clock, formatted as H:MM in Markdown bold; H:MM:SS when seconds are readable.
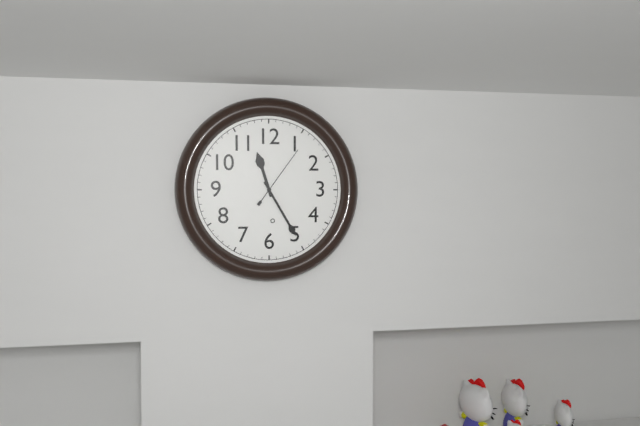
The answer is **11:25:06**
